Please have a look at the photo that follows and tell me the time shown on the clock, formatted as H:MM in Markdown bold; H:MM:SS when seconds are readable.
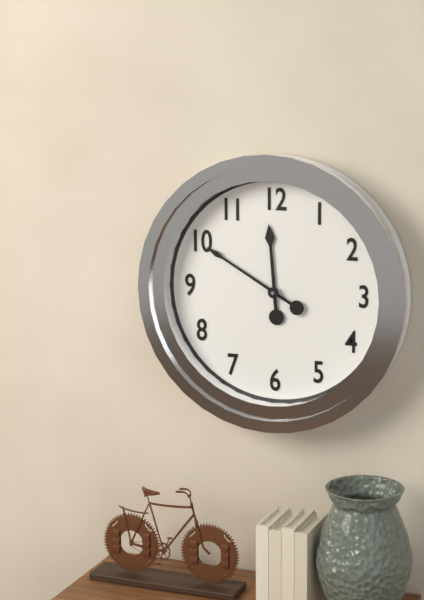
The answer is **11:50**
